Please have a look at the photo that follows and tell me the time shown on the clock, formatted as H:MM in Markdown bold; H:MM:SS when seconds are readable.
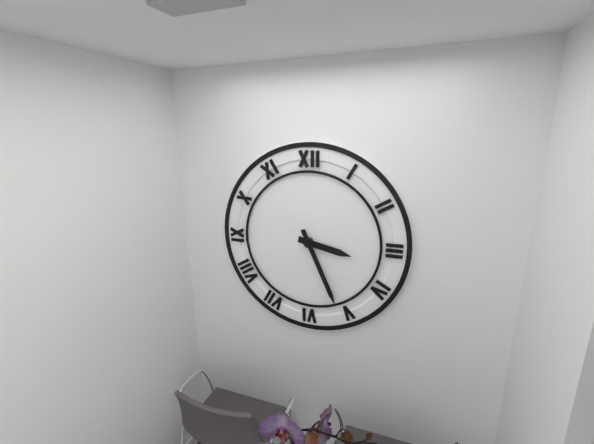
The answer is **3:26**
